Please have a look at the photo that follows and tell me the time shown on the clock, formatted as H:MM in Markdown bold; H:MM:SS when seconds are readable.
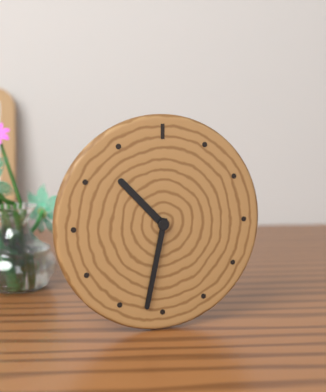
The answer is **10:32**
